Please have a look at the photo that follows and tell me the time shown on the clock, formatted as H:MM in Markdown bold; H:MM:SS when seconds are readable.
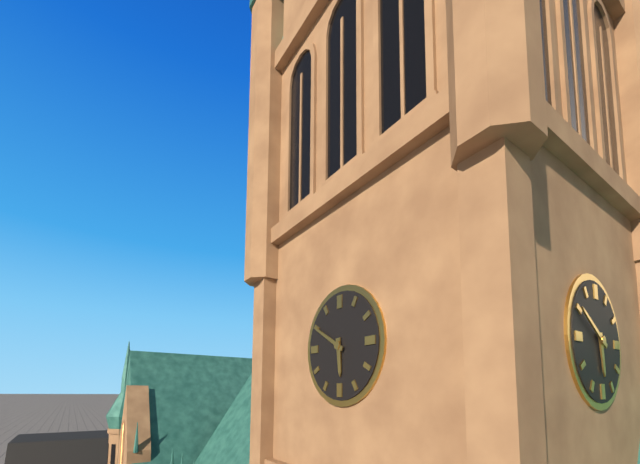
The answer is **5:50**
